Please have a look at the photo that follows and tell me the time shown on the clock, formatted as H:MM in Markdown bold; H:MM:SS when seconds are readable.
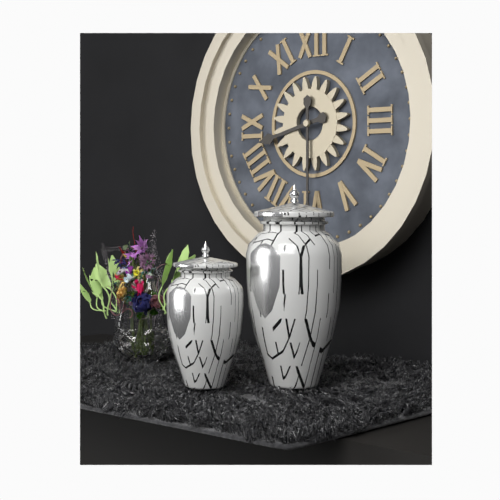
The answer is **8:30**
